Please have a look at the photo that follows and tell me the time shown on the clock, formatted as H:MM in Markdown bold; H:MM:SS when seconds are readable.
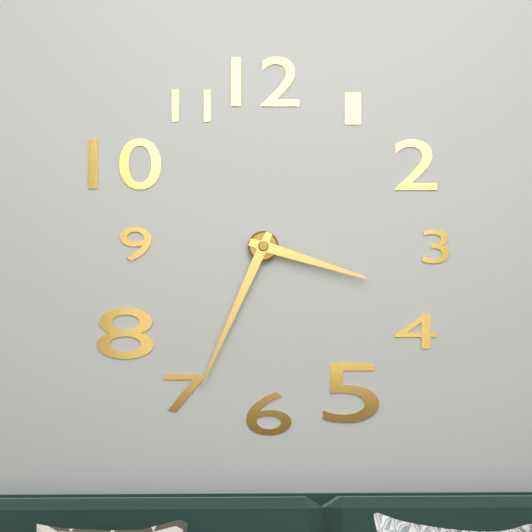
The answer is **3:34**
